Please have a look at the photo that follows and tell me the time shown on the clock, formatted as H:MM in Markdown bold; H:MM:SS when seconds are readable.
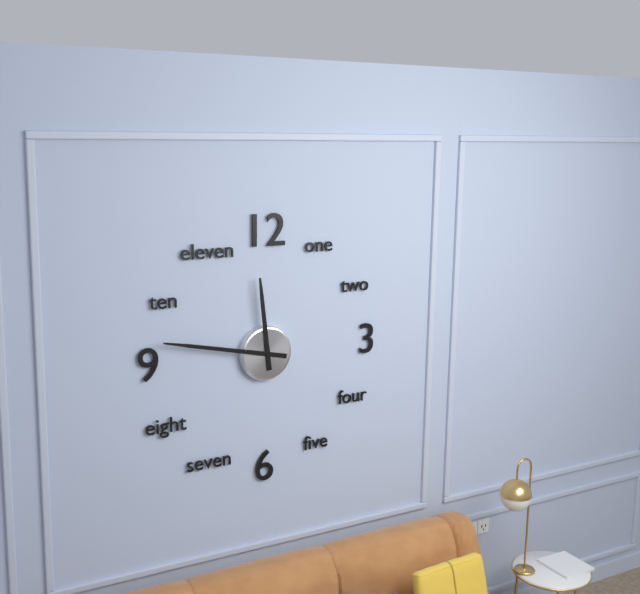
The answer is **11:47**
